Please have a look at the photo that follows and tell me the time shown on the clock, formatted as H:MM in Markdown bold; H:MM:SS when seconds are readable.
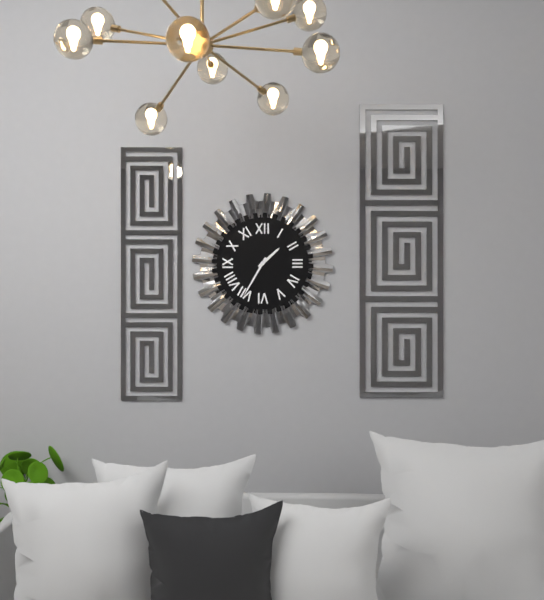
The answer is **1:35**
